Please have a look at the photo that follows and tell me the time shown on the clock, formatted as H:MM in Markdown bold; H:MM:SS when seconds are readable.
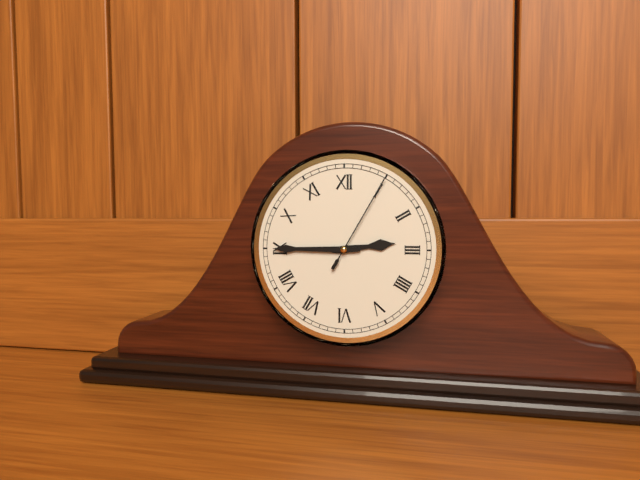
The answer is **2:45:05**
